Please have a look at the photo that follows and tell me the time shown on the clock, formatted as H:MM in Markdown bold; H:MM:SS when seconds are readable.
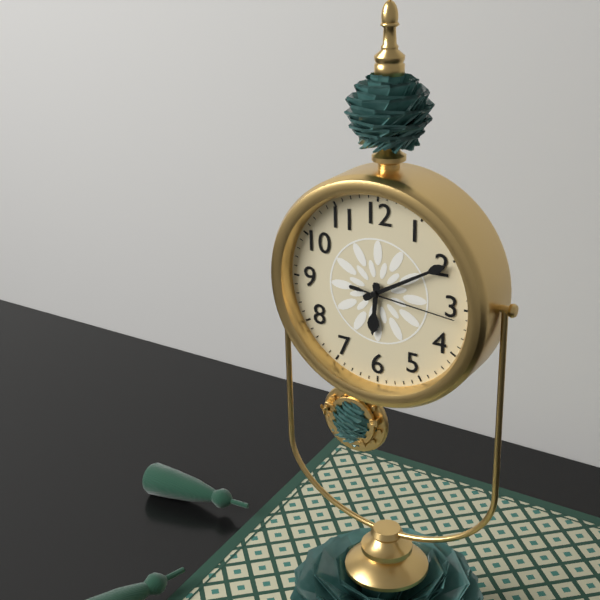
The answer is **6:10:16**
